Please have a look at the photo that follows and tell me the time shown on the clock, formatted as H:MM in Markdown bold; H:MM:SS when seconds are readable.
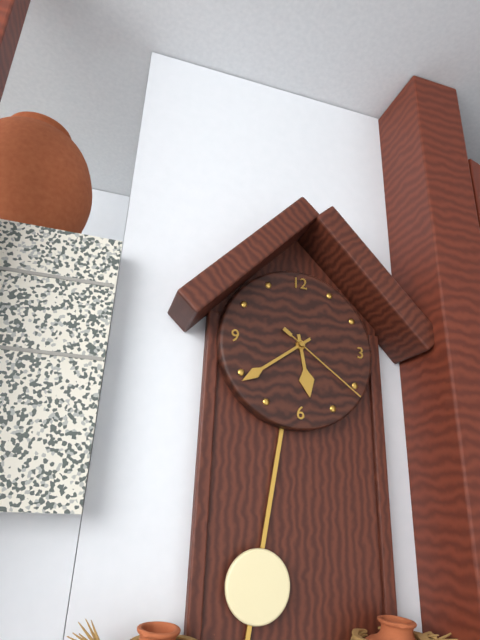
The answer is **5:39:21**
